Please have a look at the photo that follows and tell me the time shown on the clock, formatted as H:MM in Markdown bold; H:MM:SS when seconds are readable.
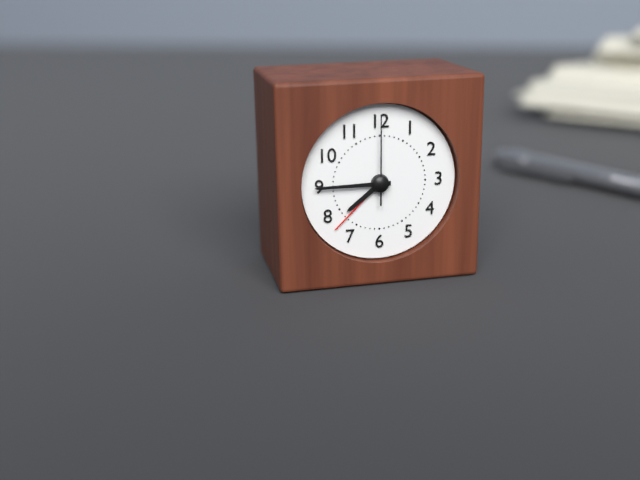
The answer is **7:45:00**
